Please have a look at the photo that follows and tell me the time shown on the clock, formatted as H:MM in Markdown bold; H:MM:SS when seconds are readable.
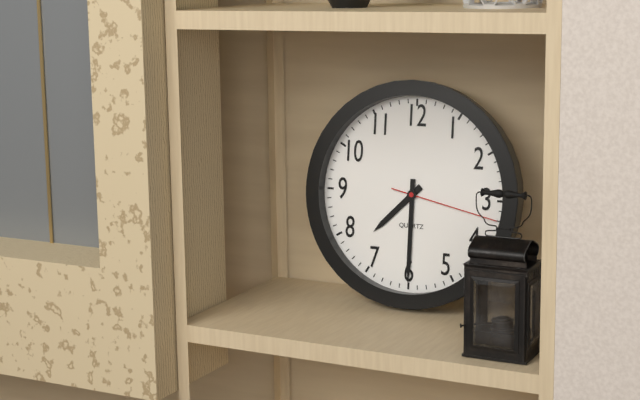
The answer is **7:30:17**
